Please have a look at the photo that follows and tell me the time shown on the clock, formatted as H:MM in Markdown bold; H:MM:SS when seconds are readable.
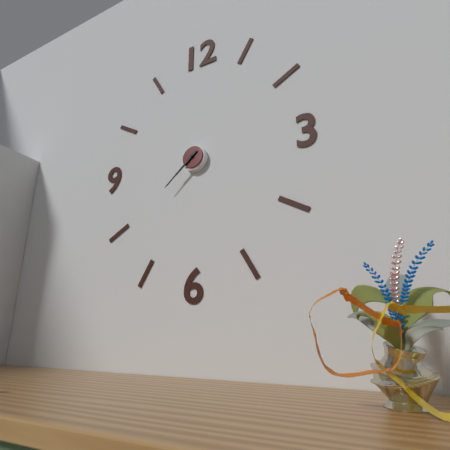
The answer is **7:38**
